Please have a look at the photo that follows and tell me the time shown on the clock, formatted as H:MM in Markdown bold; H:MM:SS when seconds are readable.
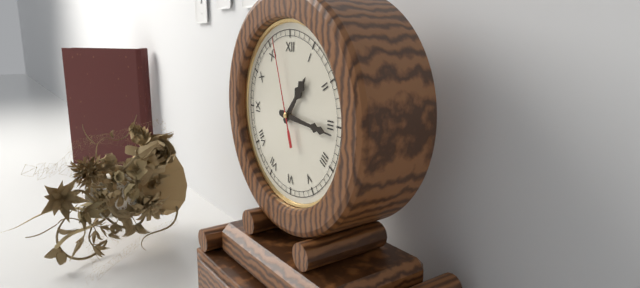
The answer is **1:16:57**
